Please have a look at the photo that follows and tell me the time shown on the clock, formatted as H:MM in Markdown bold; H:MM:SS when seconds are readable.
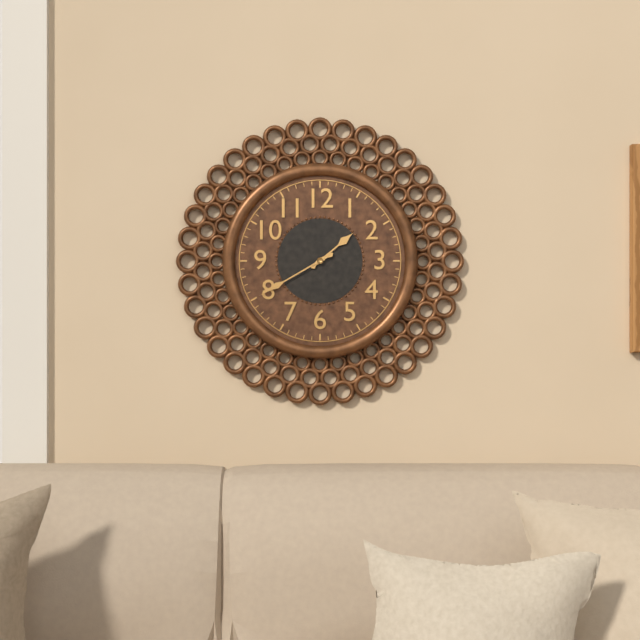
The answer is **1:40**
